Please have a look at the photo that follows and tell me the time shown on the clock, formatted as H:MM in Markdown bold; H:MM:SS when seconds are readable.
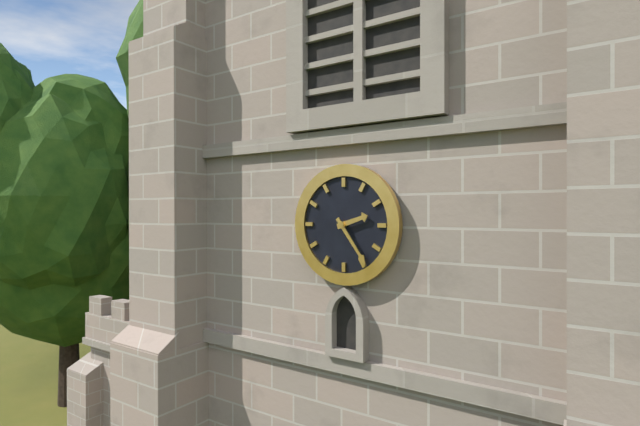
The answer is **2:24**
